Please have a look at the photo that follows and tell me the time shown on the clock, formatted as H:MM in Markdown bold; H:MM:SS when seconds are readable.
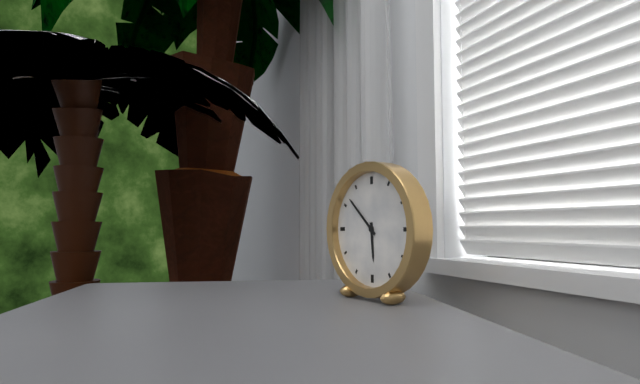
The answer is **5:52**
